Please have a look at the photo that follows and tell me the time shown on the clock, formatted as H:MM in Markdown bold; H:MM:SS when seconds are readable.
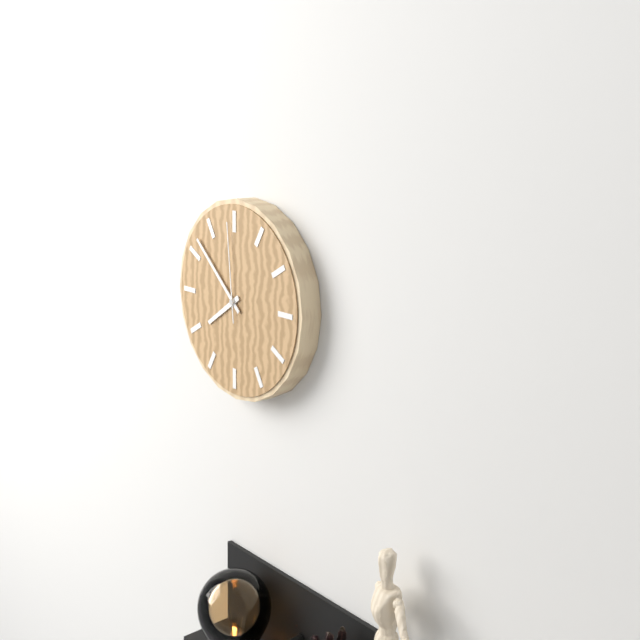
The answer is **7:52:59**
